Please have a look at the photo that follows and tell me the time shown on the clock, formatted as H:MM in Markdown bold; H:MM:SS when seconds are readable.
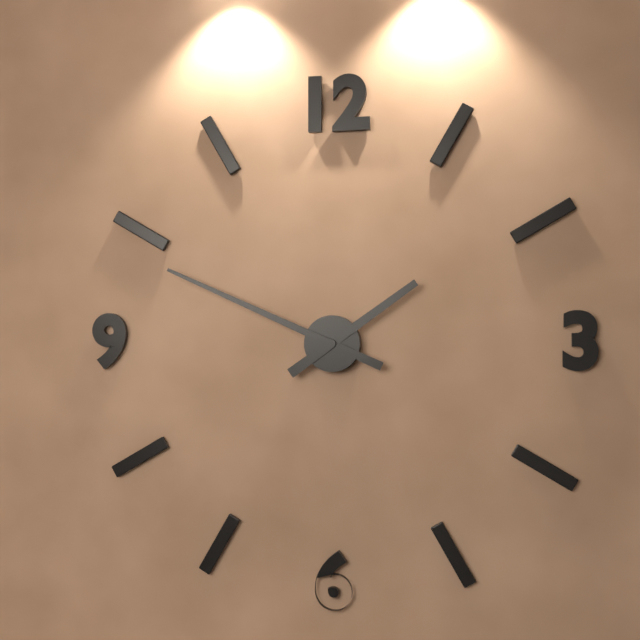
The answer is **1:49**
